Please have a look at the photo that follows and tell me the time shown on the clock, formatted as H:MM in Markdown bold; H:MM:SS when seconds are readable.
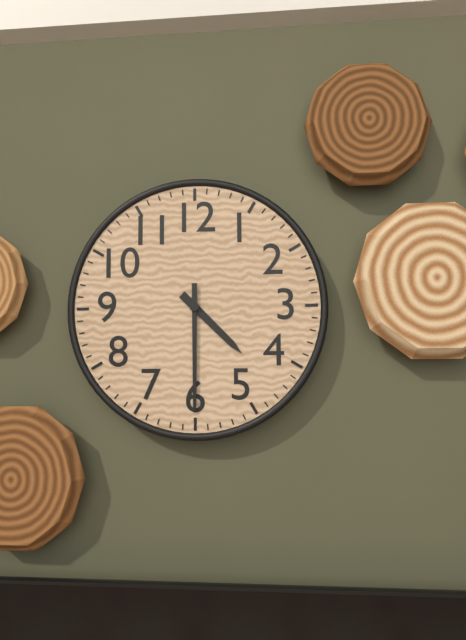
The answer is **4:30**
